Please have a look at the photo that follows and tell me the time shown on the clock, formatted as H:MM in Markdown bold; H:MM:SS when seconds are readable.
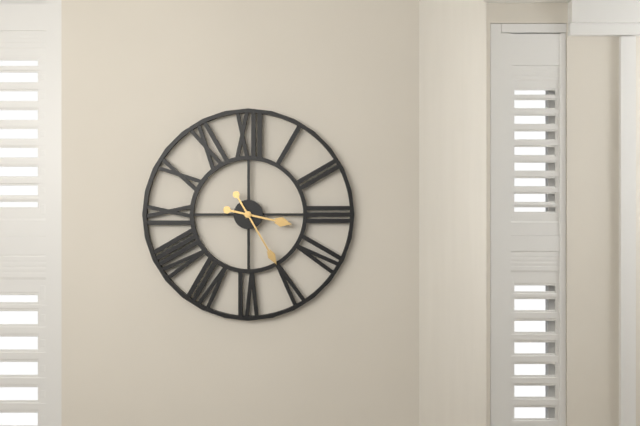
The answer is **3:25**
